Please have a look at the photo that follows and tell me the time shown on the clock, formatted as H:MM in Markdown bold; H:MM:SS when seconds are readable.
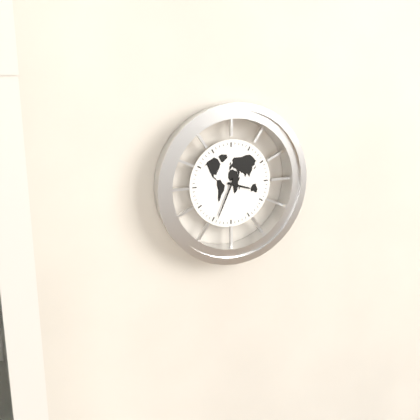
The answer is **3:34**
